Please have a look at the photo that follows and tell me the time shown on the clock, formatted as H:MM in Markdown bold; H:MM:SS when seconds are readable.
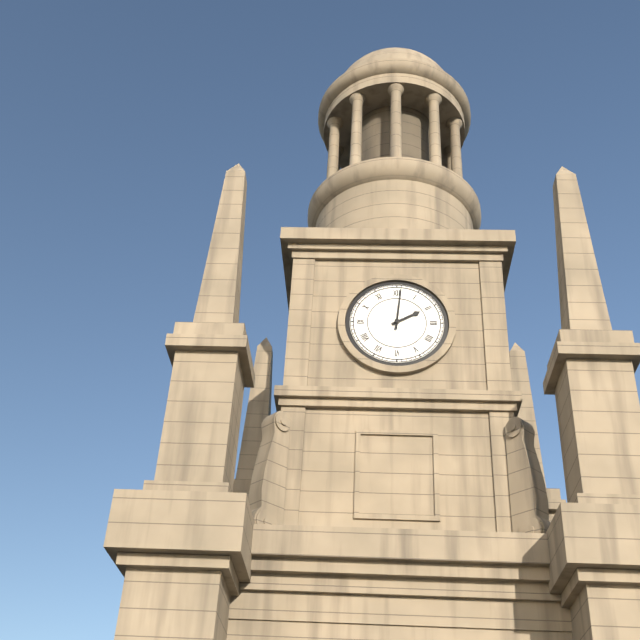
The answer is **2:01**
